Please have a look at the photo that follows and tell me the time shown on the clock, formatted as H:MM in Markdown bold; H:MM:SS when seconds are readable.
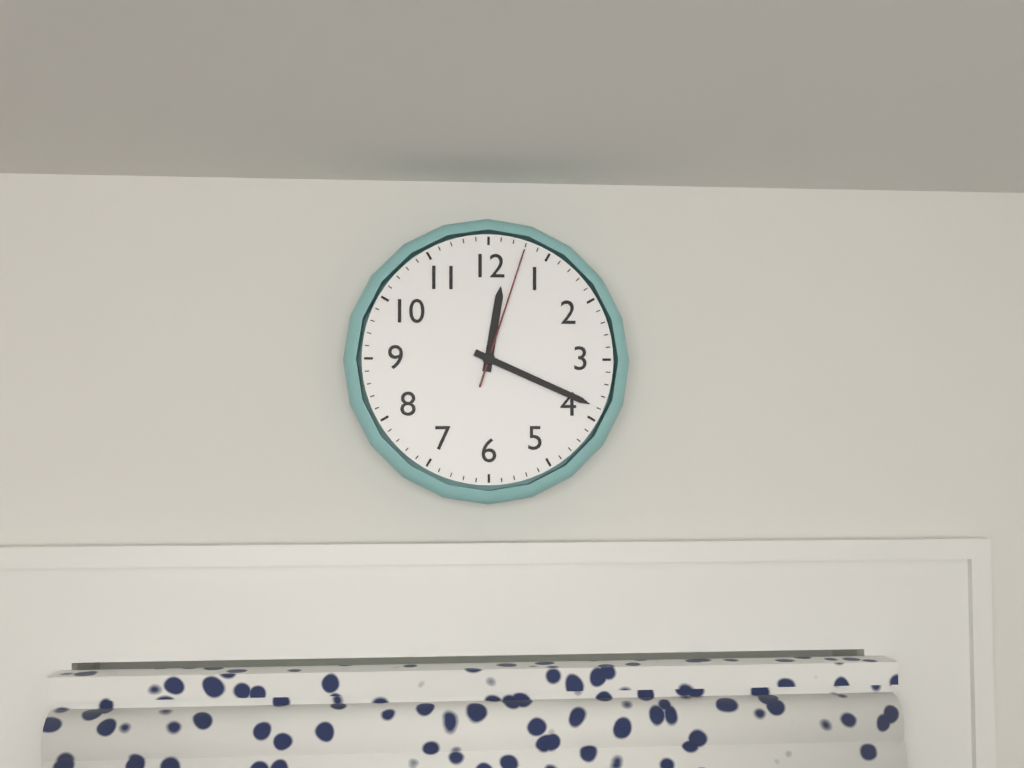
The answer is **12:19:03**
